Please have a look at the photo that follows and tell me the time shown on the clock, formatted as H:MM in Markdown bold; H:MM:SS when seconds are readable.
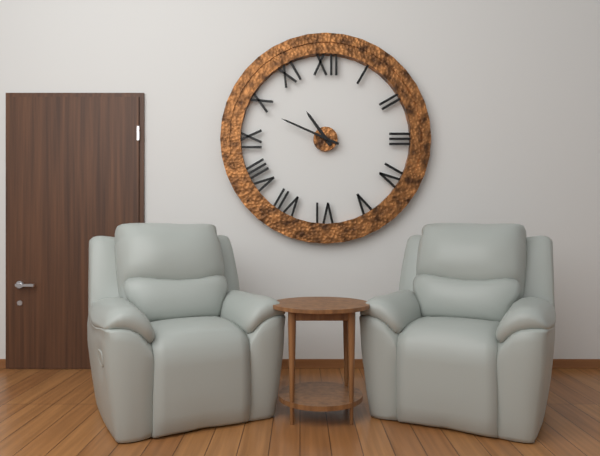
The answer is **10:49**
